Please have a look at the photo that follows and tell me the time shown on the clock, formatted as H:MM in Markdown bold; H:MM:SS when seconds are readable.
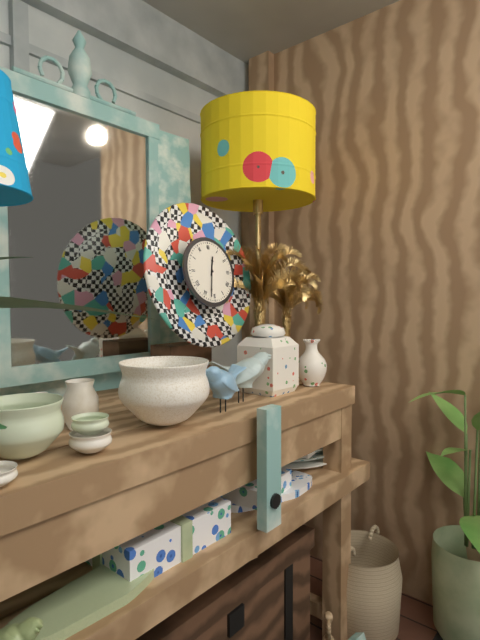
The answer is **12:32**
